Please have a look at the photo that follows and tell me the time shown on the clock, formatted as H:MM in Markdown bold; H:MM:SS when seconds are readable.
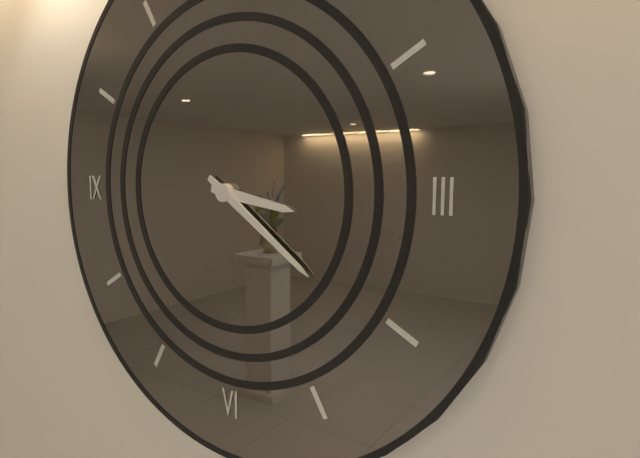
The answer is **3:21**
